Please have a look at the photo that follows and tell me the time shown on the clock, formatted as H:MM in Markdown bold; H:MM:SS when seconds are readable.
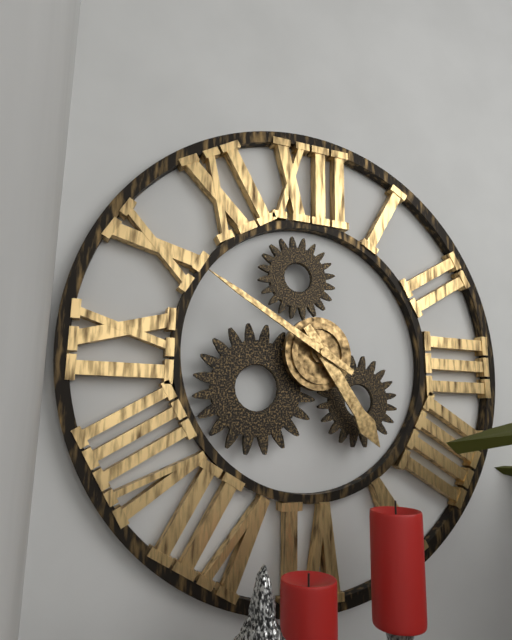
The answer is **4:50**
